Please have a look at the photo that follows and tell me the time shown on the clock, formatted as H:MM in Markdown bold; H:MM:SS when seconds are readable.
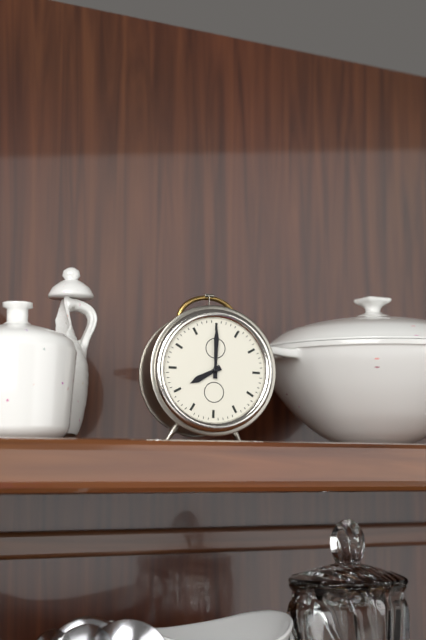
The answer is **8:00**
